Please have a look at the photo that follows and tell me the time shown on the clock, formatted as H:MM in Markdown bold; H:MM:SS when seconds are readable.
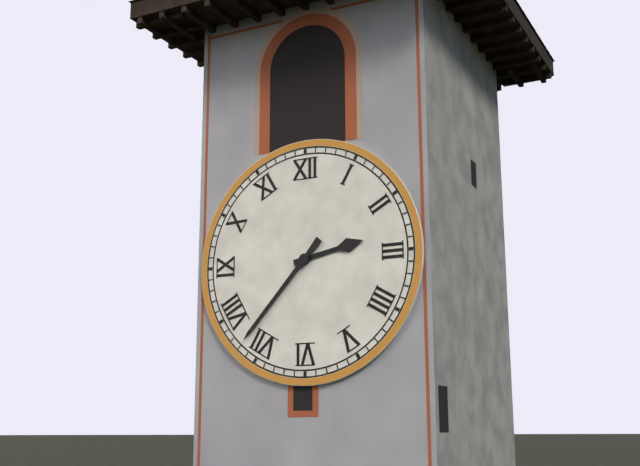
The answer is **2:37**
